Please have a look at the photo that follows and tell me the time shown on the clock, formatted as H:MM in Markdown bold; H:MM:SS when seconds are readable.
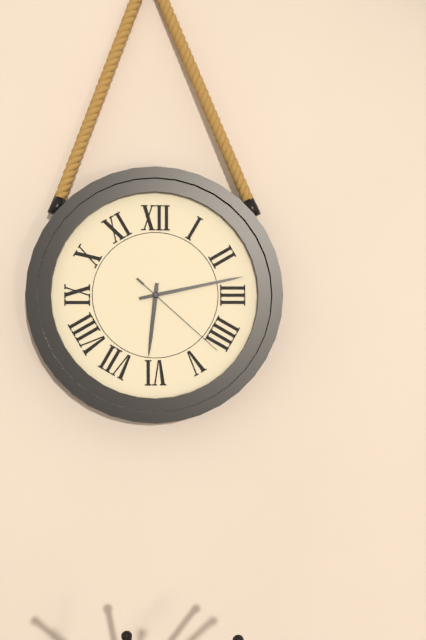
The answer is **6:13:22**
